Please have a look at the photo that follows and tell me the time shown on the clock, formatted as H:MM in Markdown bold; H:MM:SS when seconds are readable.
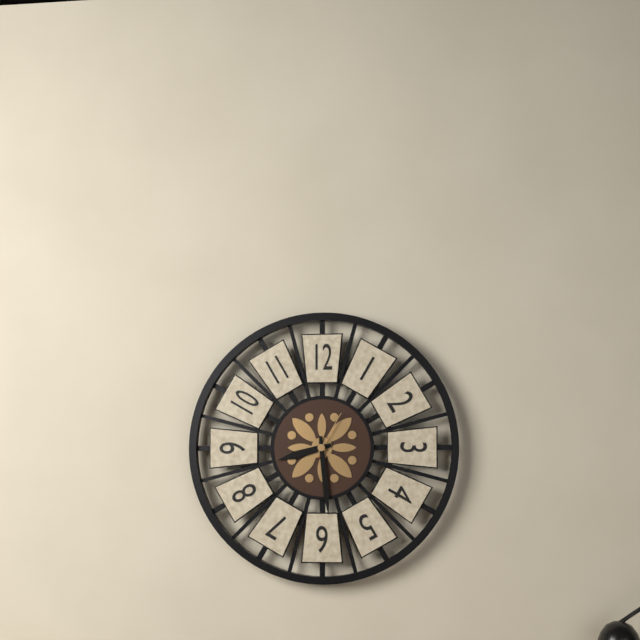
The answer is **8:29**
